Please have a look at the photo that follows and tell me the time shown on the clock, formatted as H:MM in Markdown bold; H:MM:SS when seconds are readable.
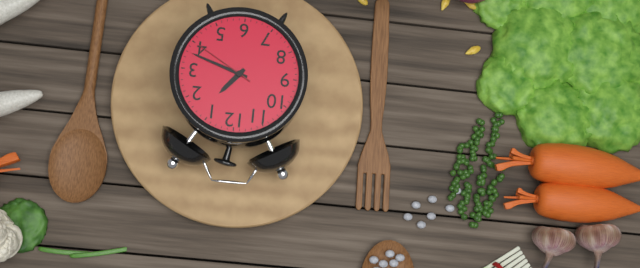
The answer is **1:18:20**
